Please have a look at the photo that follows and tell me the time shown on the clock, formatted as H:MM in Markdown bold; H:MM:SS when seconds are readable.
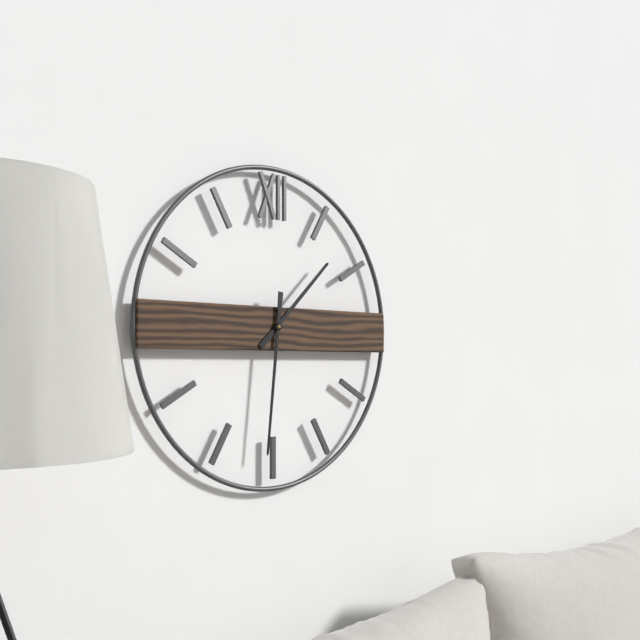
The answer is **1:31**
